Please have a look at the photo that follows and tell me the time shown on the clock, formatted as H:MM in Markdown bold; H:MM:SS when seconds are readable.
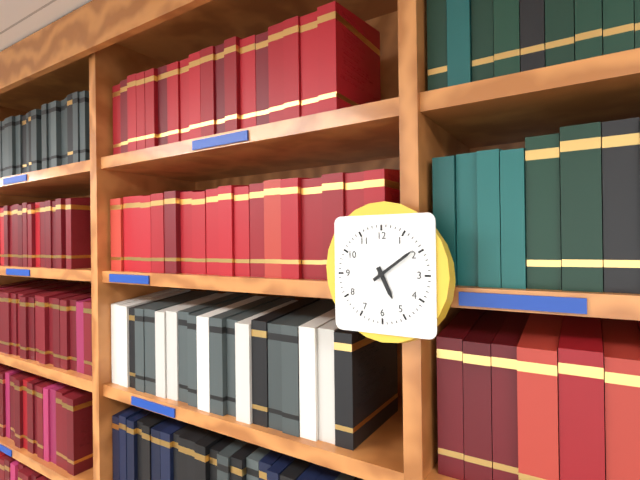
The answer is **5:09**
